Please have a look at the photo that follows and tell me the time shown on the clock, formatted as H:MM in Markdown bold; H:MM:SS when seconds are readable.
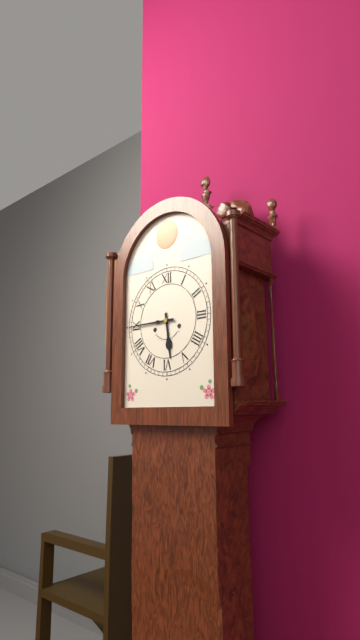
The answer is **5:45**
